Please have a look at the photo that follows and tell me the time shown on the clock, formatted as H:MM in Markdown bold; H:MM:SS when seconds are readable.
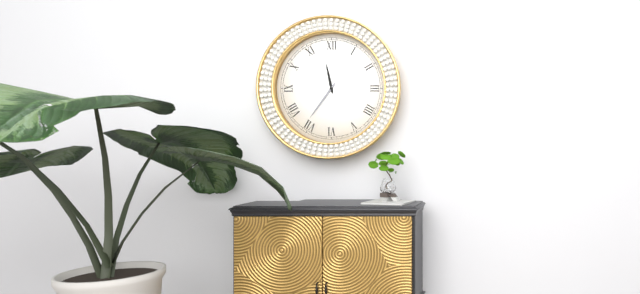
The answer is **11:36**
